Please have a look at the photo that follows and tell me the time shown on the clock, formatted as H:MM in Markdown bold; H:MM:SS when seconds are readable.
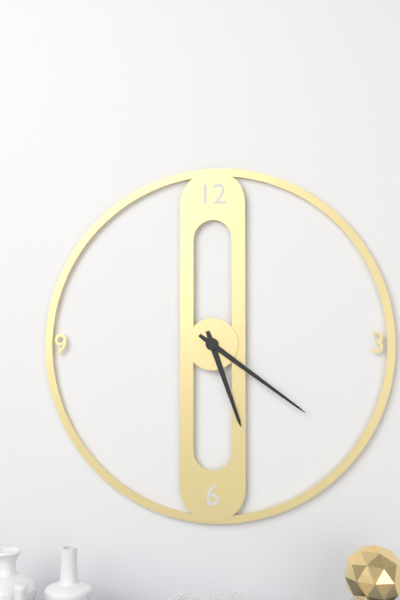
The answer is **5:21**
